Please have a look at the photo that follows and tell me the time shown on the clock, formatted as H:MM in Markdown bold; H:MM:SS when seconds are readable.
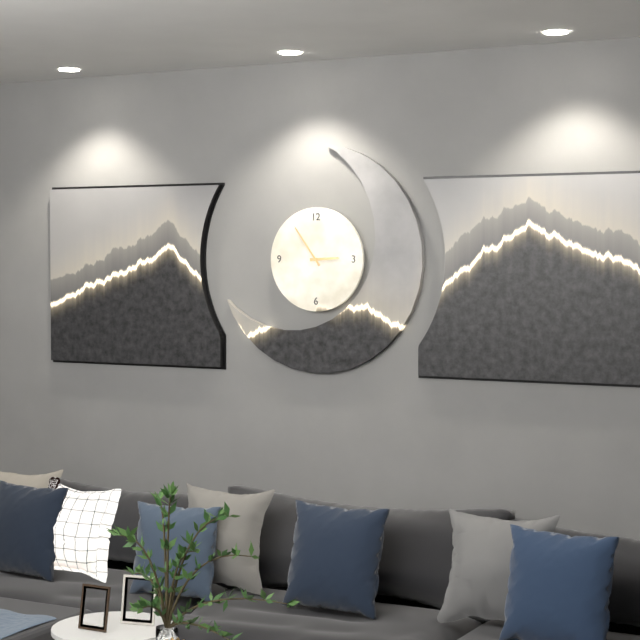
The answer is **2:54**
